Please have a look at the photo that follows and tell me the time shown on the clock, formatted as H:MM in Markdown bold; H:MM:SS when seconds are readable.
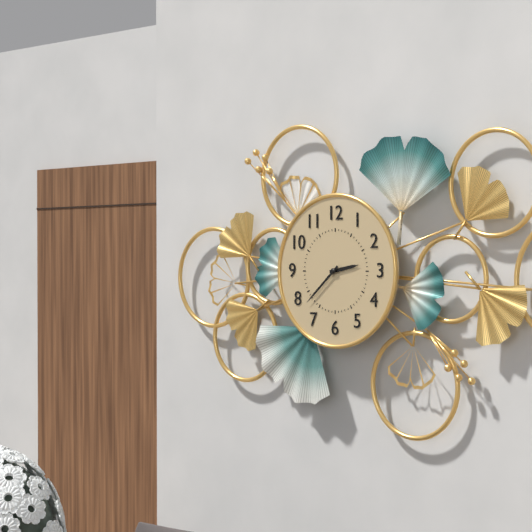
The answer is **2:38**
